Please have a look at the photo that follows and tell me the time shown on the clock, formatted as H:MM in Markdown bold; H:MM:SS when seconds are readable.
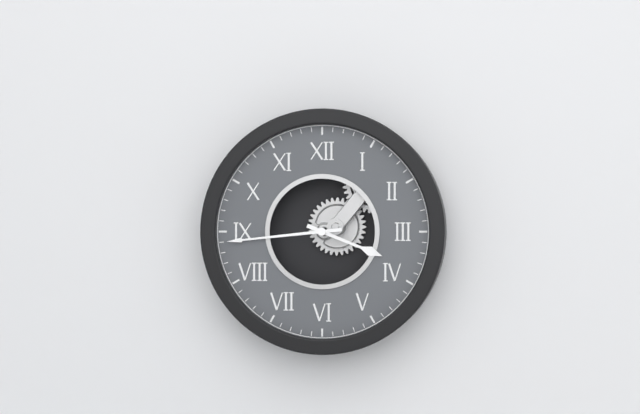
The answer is **3:44**
